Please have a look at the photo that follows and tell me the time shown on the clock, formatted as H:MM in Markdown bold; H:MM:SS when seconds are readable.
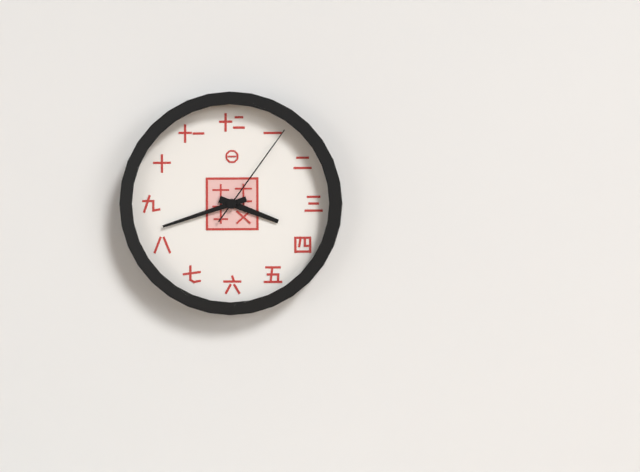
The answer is **3:42:06**
